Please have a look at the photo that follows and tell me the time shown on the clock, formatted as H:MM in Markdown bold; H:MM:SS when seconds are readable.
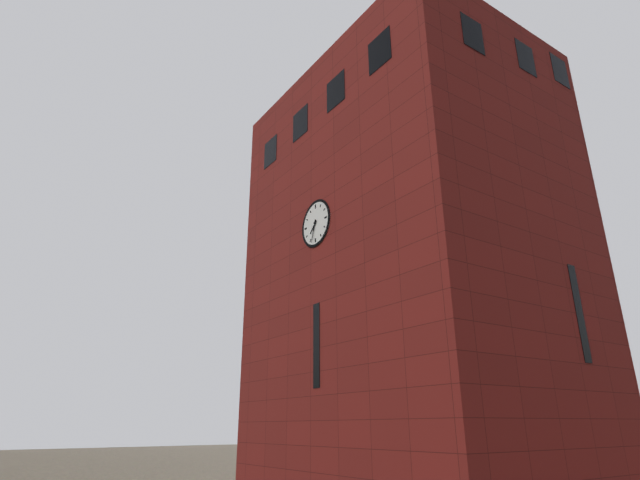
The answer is **7:33**
